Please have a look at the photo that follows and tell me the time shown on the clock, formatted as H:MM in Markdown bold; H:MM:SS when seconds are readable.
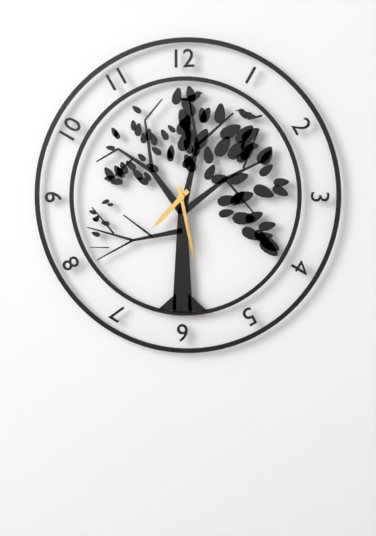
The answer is **7:28**
